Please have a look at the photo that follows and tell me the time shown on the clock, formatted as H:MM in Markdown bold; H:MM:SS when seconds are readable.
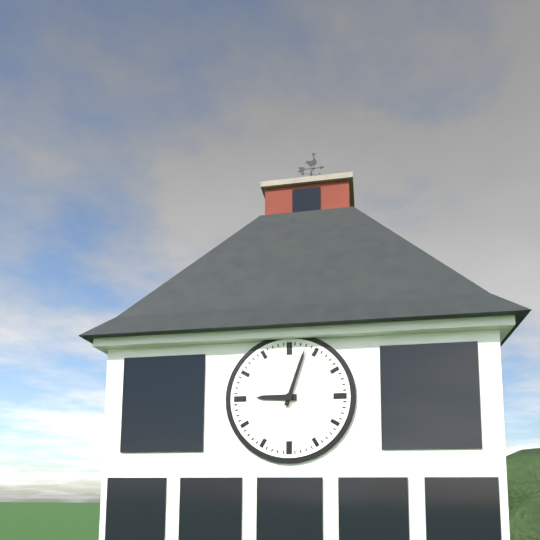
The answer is **9:03**
